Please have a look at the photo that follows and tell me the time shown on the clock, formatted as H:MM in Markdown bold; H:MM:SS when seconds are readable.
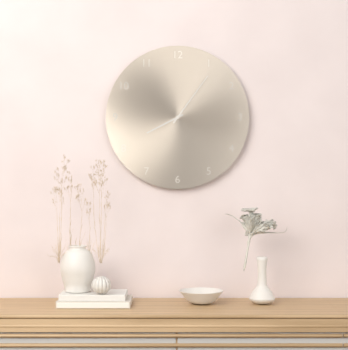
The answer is **8:06**
